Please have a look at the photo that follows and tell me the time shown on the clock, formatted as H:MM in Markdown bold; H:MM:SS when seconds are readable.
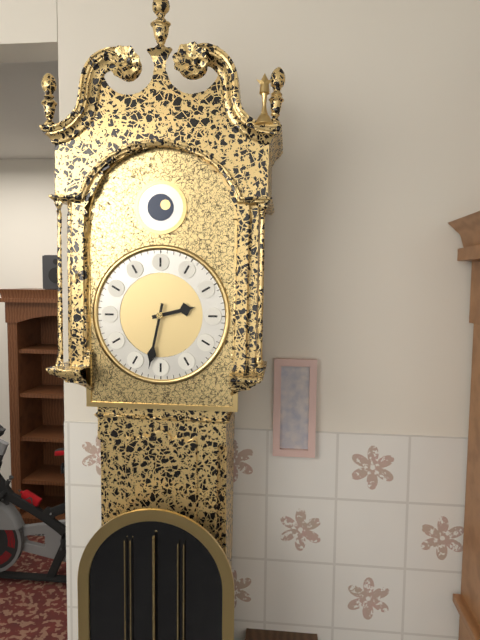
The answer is **2:32**
